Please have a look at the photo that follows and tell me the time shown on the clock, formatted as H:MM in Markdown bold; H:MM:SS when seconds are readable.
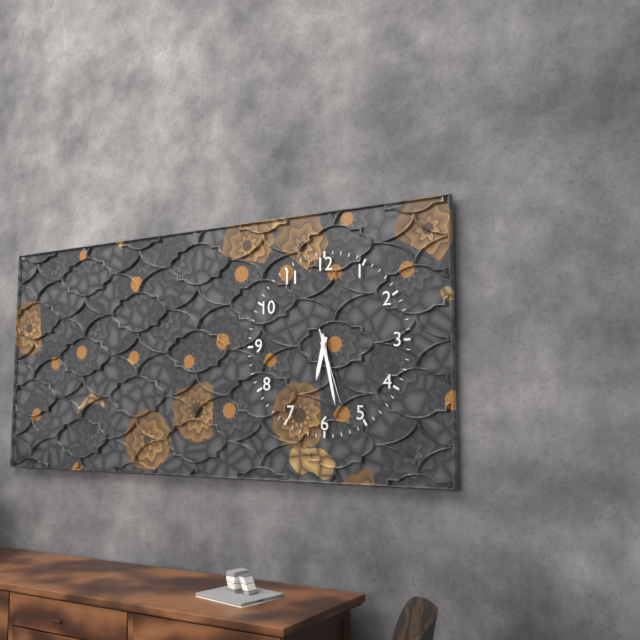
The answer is **6:28:27**
